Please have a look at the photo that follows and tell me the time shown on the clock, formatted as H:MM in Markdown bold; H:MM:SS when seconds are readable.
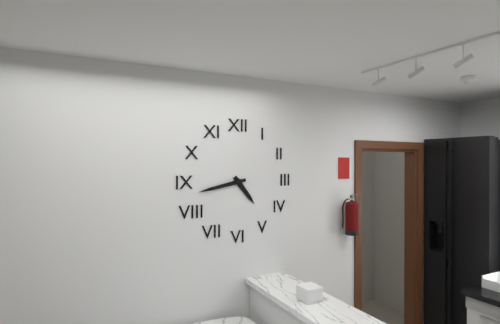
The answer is **4:43**
